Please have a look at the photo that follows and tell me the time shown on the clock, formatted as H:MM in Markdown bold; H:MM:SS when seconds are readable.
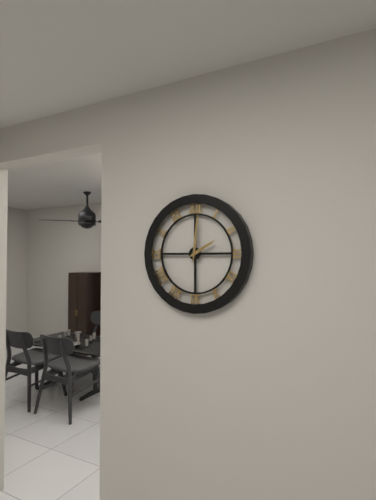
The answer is **2:01**
